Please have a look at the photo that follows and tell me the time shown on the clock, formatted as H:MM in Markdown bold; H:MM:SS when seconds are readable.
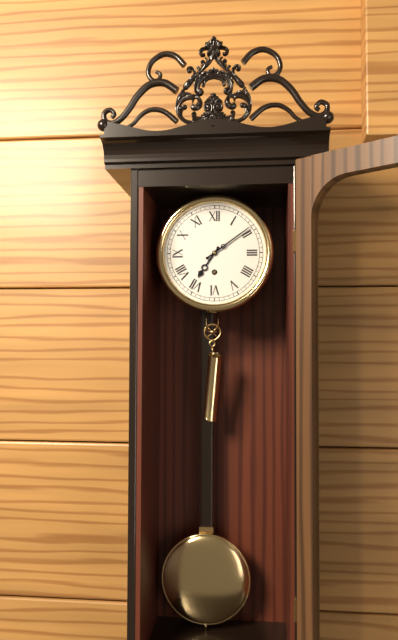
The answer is **7:09**
